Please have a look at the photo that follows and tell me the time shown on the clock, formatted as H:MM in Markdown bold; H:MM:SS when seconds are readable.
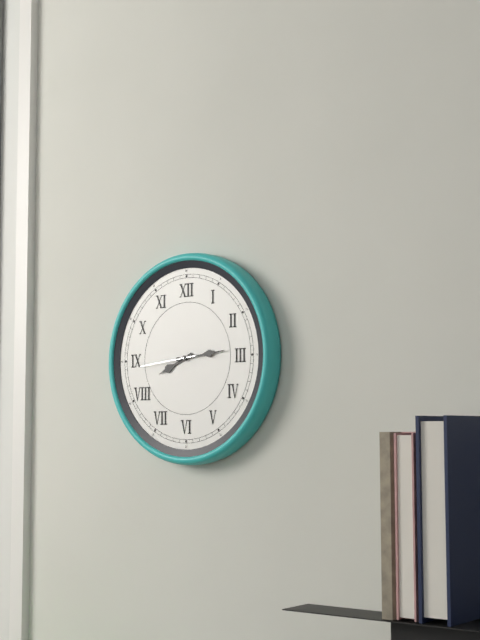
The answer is **8:14:44**
